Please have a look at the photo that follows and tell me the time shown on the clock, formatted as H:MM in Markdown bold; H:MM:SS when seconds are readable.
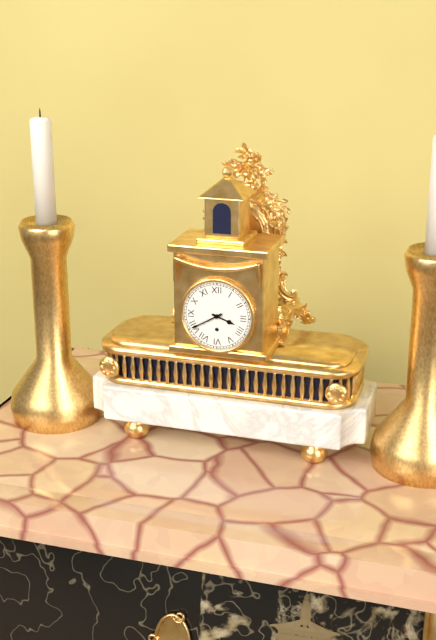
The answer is **3:40**
